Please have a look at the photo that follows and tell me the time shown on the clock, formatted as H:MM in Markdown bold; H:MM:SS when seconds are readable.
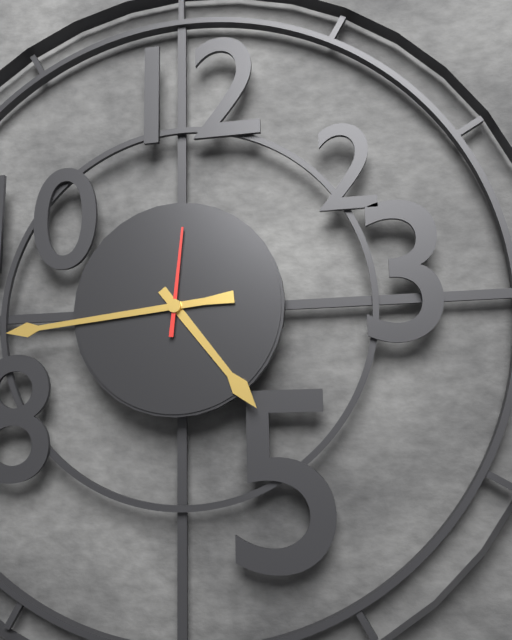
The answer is **4:44:01**
